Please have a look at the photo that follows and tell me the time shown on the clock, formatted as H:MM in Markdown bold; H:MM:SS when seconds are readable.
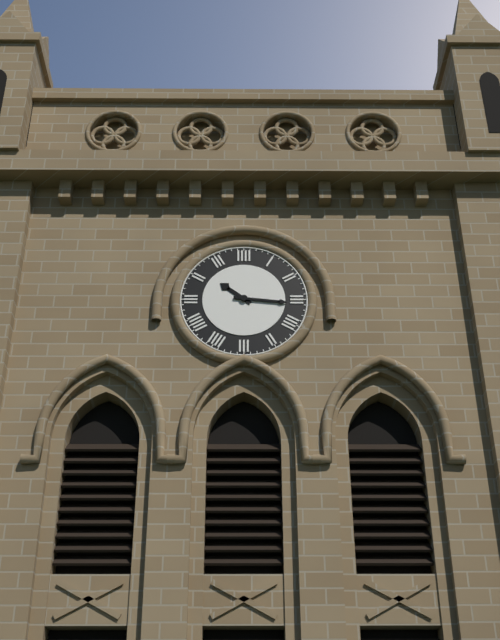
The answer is **10:16**
